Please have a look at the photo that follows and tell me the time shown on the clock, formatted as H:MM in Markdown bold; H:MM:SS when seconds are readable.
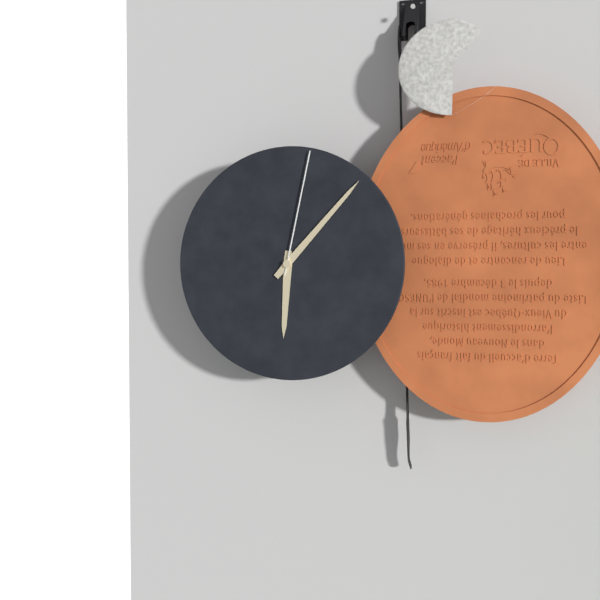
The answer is **6:07:02**
